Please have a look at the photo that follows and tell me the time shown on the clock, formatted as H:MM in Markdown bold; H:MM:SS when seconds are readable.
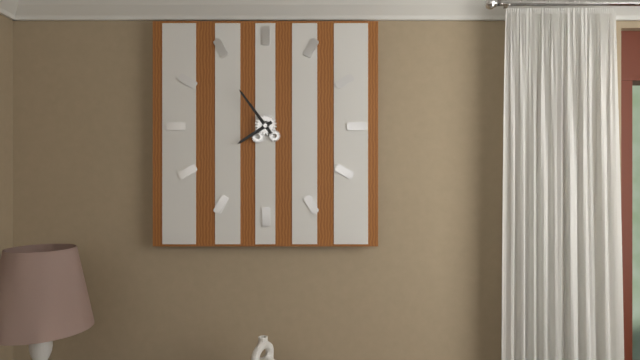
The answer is **7:54**
